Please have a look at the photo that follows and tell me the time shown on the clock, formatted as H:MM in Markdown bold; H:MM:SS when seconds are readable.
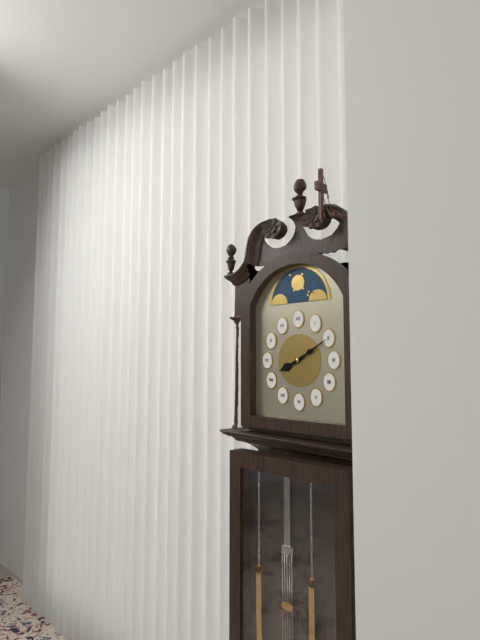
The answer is **8:10**
